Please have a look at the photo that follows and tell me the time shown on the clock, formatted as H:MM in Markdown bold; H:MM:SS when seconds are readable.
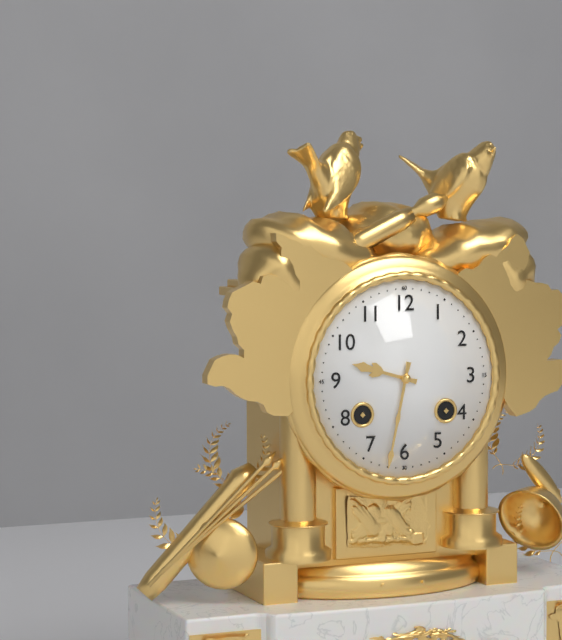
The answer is **9:32**
